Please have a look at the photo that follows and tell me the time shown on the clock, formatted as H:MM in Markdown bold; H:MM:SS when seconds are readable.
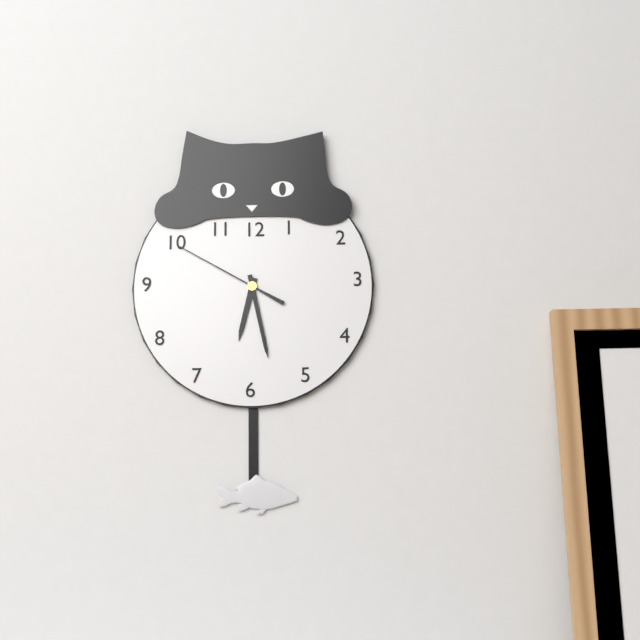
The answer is **6:28:50**
